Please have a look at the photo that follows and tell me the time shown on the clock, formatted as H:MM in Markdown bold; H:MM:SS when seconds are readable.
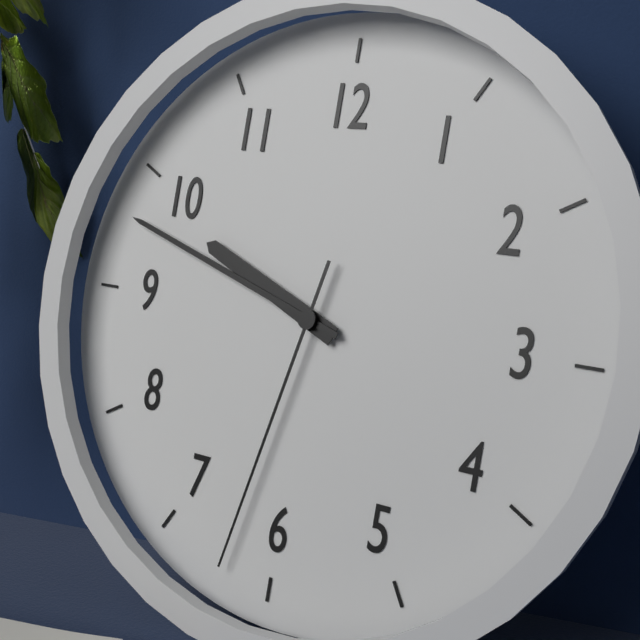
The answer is **9:48:32**
